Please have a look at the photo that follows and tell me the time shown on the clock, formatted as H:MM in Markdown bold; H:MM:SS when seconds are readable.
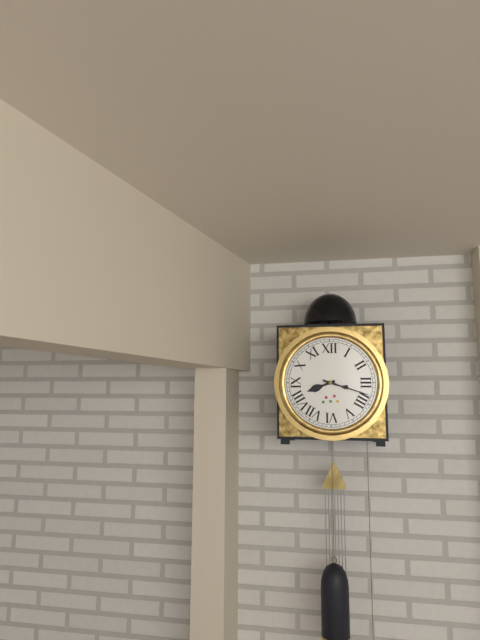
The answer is **8:18**
